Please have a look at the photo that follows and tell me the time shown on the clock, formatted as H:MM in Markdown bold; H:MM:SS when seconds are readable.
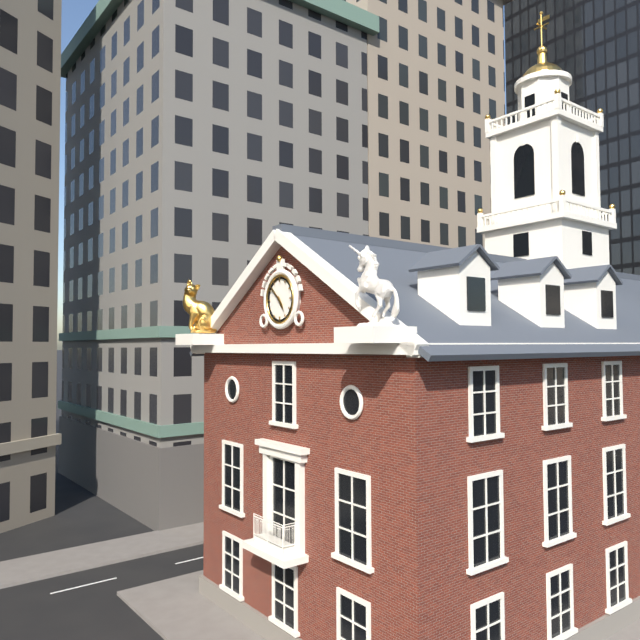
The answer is **4:52**
